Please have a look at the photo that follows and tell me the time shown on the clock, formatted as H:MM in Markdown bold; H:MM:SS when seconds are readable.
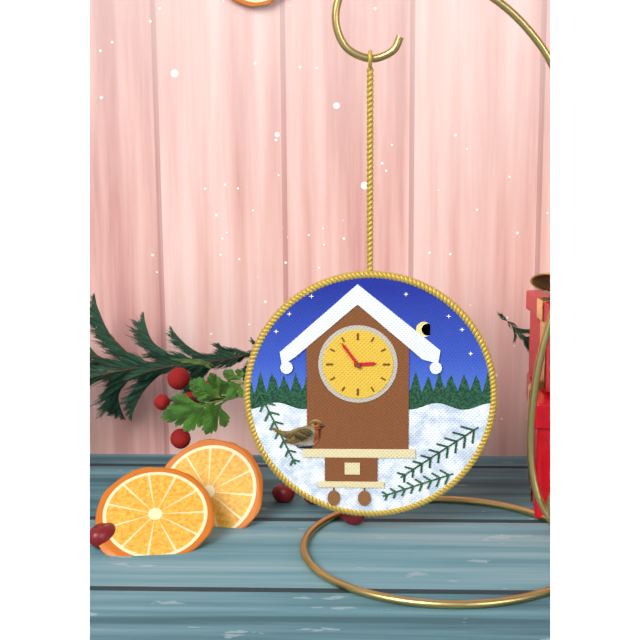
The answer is **2:54**
